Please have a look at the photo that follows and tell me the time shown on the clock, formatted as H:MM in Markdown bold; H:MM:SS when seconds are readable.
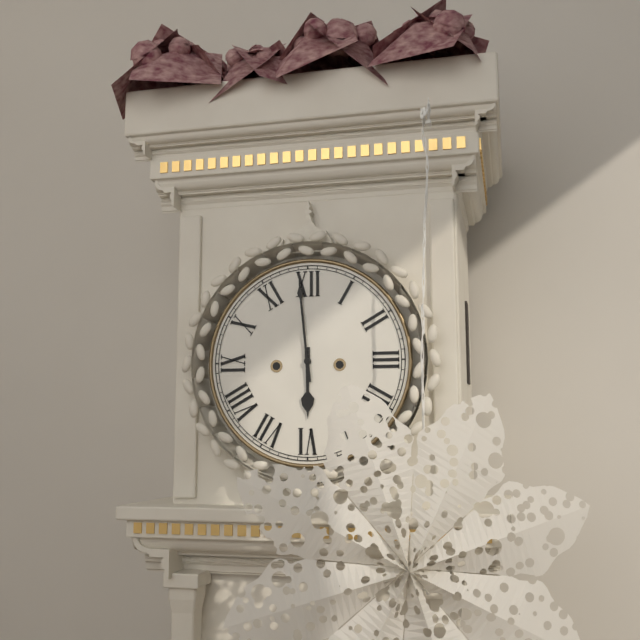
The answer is **5:59**
